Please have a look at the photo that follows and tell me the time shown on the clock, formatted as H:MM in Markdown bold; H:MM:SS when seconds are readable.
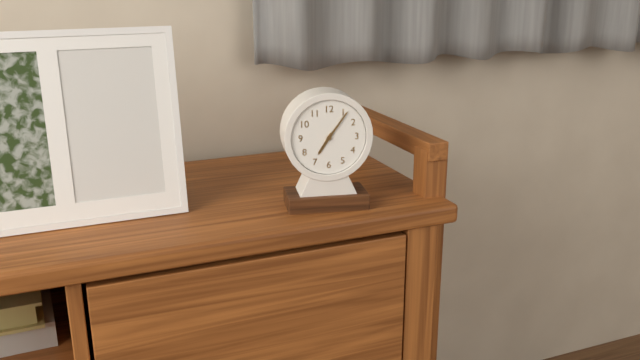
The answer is **7:06**
